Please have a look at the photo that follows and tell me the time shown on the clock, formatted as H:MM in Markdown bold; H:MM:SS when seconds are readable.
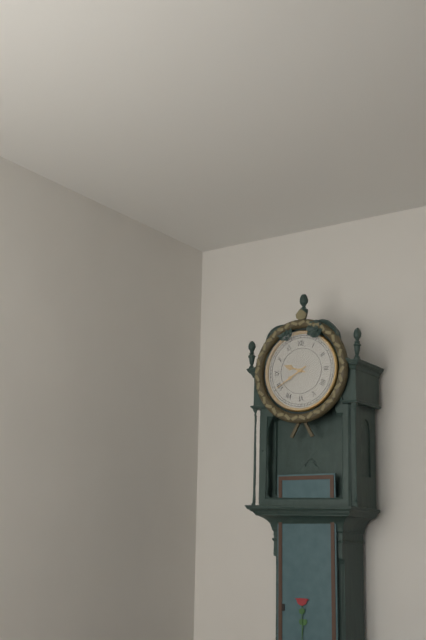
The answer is **9:40**
